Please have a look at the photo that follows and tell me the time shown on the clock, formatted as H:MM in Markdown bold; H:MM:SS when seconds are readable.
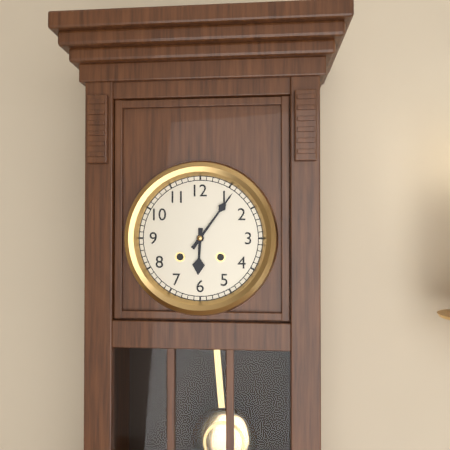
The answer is **6:06**
